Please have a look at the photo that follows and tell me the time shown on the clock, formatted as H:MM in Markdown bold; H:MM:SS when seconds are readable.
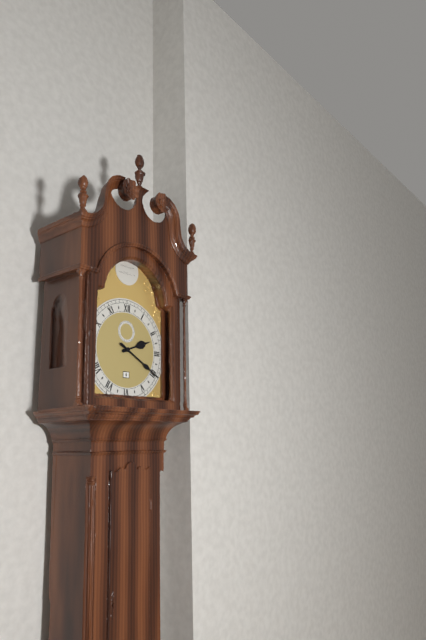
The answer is **2:20**
